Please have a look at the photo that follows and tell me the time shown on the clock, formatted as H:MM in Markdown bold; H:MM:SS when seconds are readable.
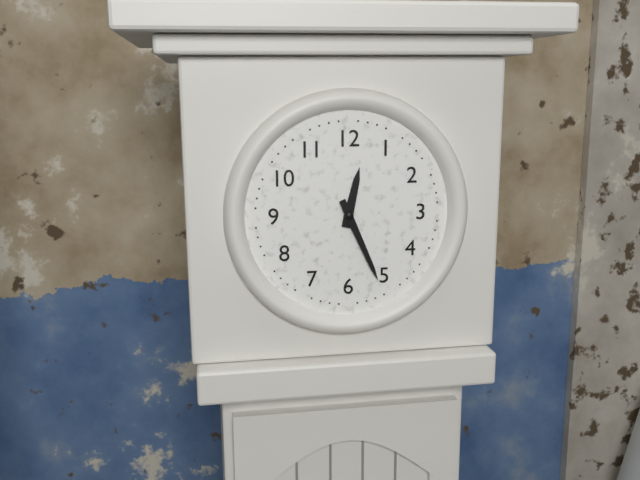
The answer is **12:26**
